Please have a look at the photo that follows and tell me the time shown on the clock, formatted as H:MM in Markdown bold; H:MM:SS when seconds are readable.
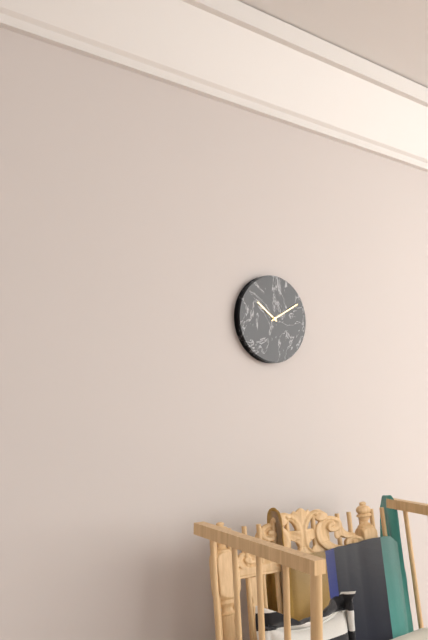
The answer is **10:10**
